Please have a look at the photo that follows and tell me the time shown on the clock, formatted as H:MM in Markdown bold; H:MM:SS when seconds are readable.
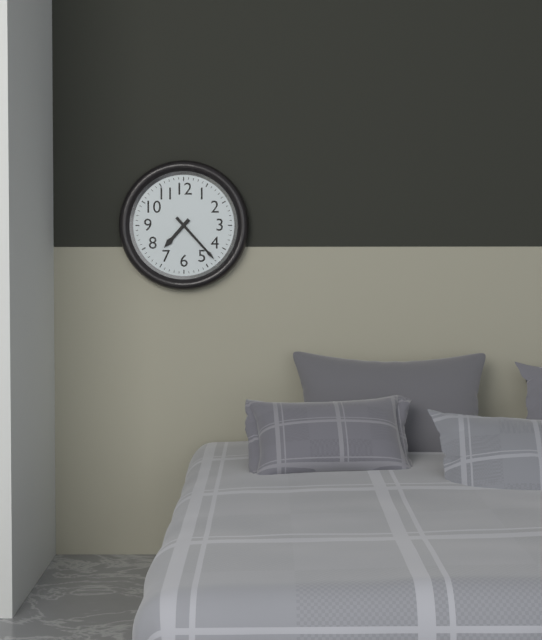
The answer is **7:23**
